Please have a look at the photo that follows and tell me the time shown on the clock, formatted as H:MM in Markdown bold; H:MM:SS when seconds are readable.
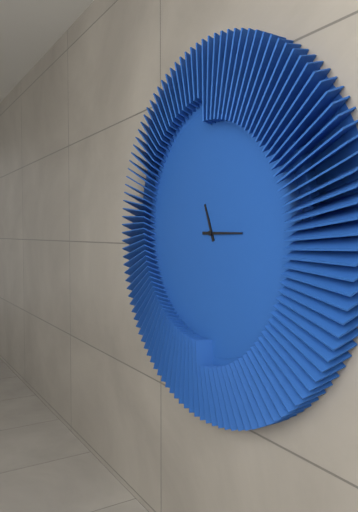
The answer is **11:15**
